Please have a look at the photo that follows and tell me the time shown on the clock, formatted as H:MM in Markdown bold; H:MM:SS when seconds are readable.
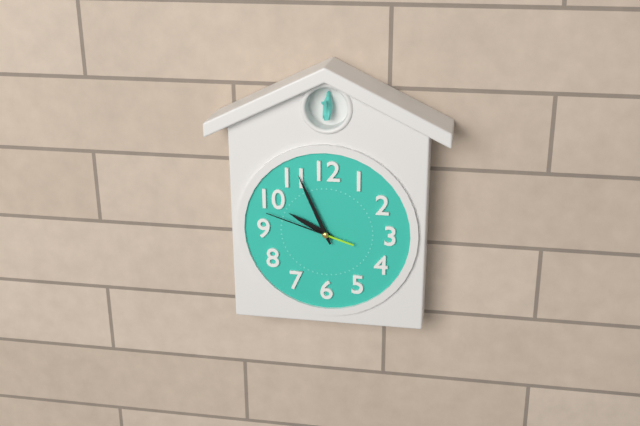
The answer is **9:56:48**
